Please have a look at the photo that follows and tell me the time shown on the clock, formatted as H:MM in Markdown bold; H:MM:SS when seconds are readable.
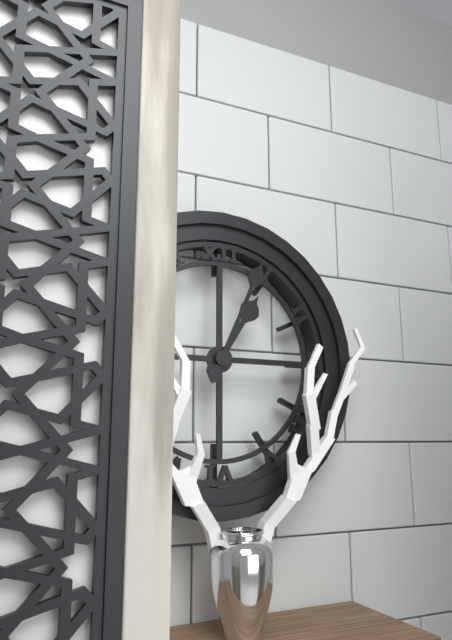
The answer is **1:04**
